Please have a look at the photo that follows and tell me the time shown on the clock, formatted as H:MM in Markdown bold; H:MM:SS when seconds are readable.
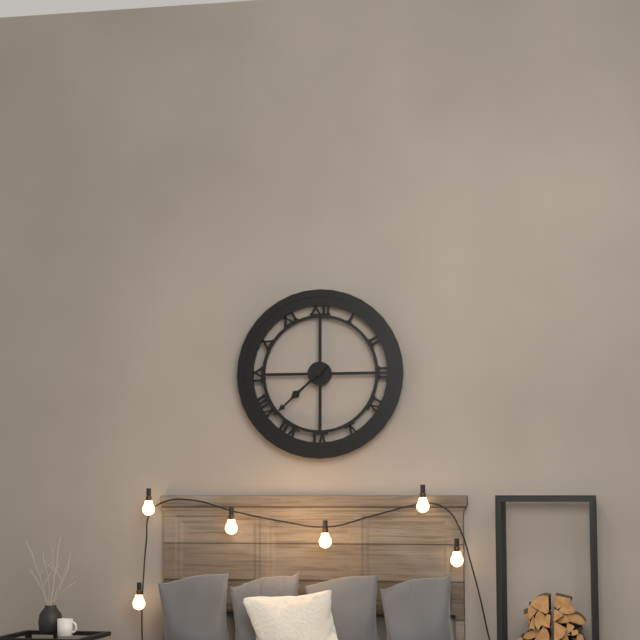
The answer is **7:38**
